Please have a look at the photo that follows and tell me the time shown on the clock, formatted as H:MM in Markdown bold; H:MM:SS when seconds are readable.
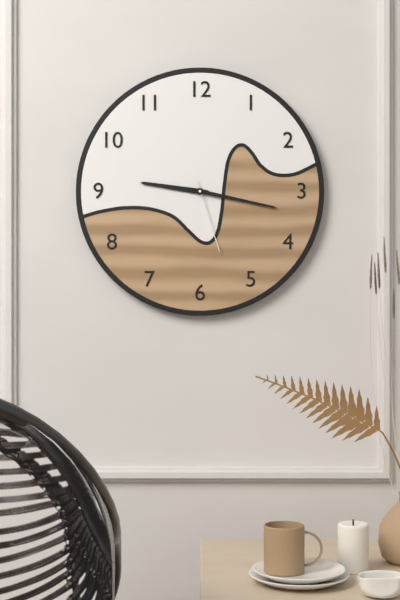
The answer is **9:17:27**
